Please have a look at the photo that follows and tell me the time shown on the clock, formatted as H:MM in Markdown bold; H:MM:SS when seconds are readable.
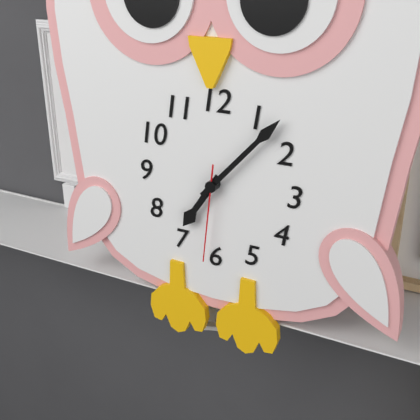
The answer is **7:07:31**
